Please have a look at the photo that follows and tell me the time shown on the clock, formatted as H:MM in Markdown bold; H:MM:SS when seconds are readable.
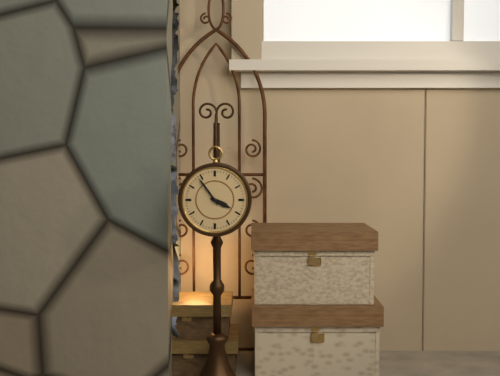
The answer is **3:54**
